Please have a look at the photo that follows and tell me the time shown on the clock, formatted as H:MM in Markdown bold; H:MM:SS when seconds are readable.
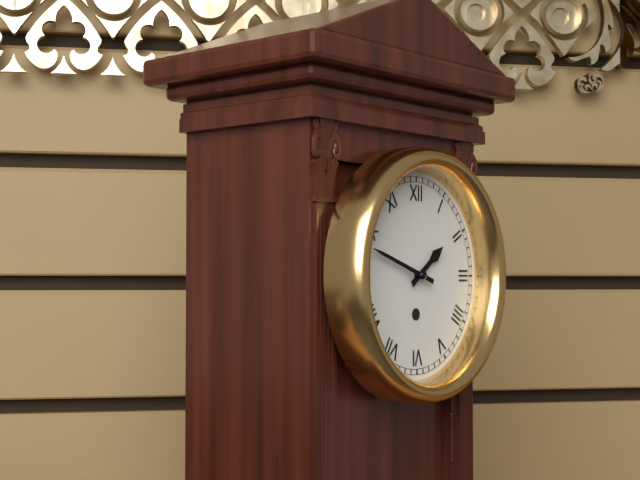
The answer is **1:48**
